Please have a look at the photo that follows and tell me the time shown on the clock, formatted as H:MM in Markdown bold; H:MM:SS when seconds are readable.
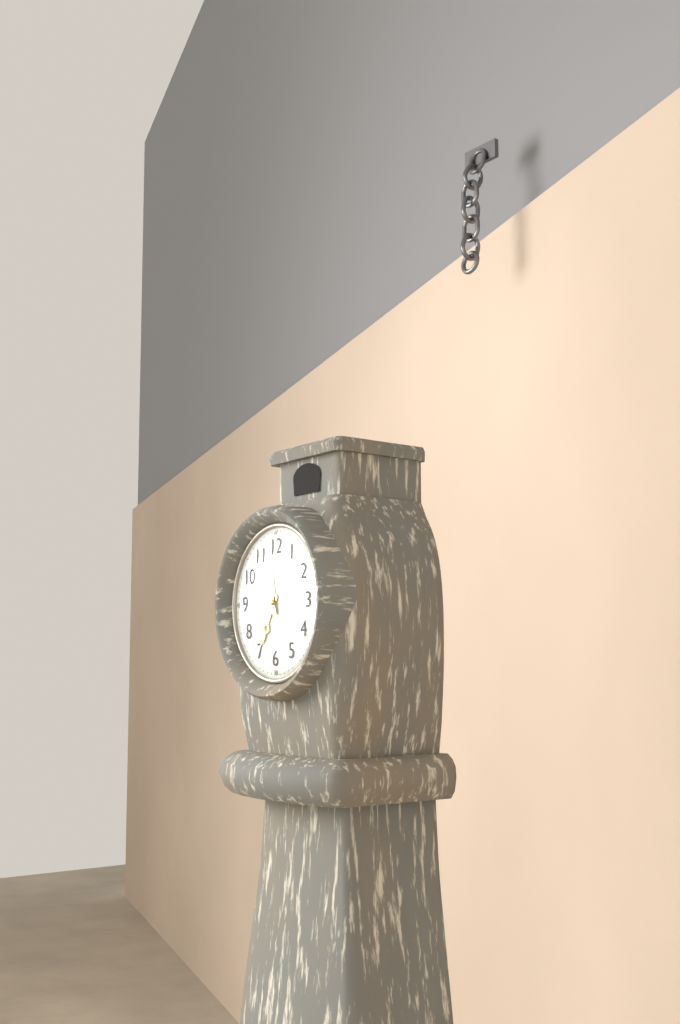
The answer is **6:58**
